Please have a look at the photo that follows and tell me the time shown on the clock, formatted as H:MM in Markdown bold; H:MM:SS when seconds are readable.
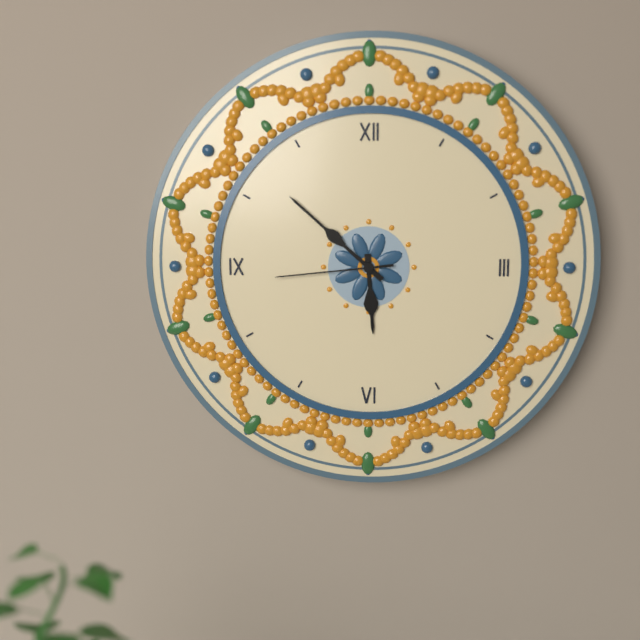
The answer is **5:52:44**
